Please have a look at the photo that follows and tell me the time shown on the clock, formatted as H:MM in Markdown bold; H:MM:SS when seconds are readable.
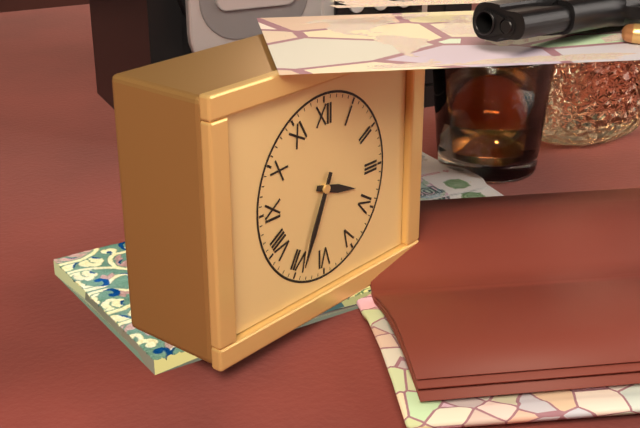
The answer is **3:34**
